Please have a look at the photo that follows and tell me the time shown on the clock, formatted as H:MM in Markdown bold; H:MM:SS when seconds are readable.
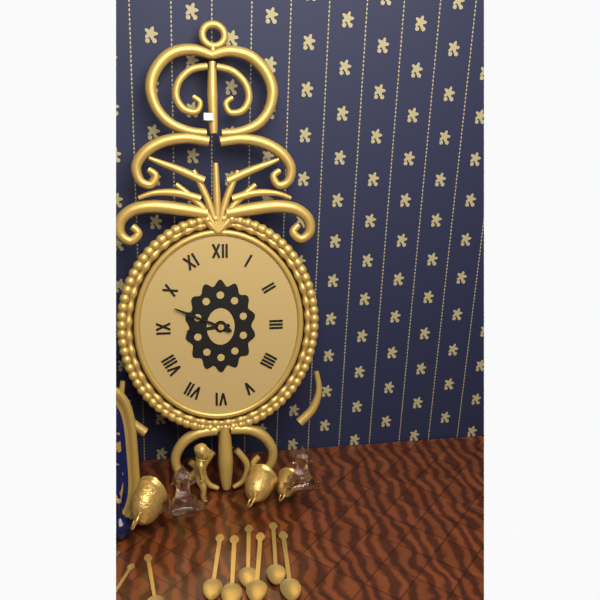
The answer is **8:49**
